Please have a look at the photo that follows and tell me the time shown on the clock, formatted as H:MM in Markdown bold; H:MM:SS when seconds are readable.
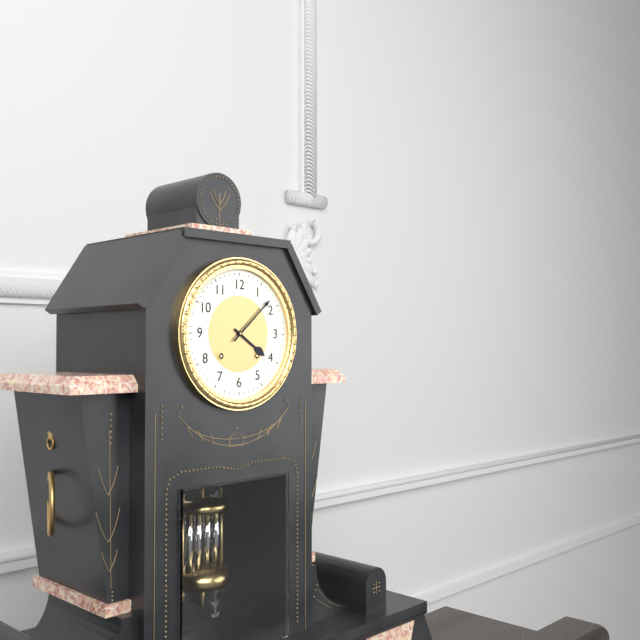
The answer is **4:08**
